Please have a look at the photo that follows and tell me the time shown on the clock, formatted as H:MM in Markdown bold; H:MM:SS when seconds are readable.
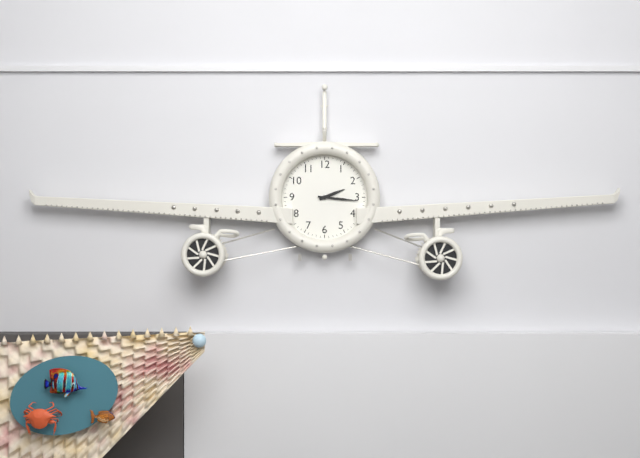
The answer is **2:16**
